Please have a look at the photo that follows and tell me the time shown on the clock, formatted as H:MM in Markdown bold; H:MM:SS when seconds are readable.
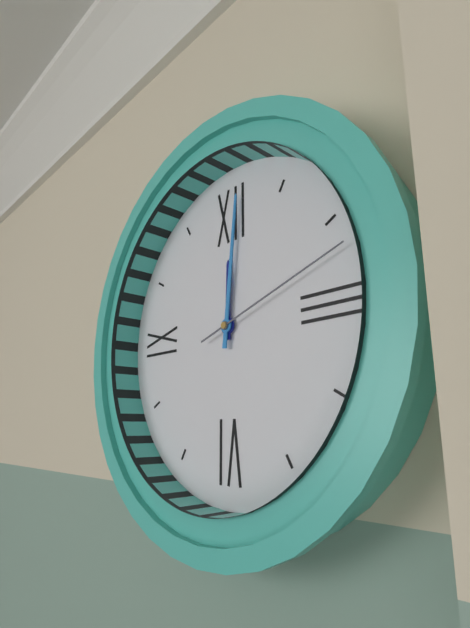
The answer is **12:01:12**
